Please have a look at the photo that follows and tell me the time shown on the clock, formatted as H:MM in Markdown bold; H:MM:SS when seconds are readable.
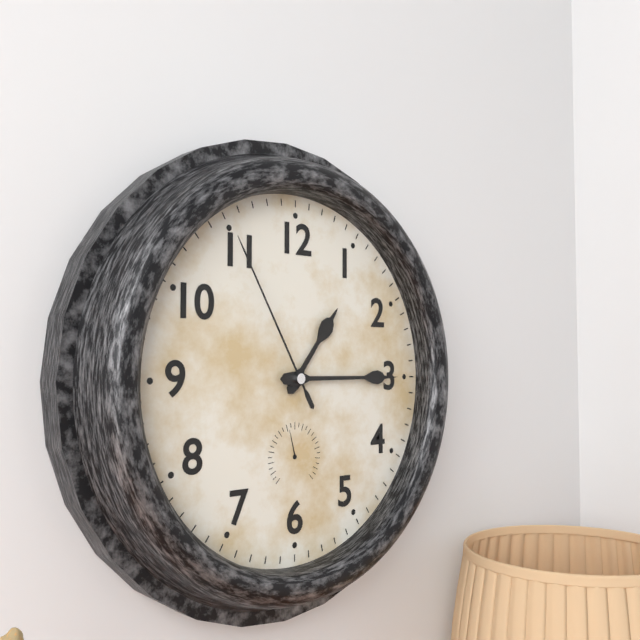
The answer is **1:15:55**
